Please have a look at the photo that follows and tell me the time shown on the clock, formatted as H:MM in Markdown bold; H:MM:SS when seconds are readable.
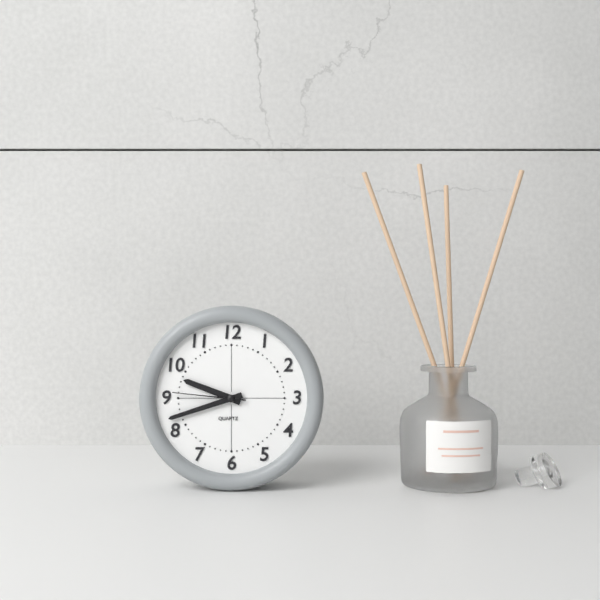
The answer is **9:42:46**
